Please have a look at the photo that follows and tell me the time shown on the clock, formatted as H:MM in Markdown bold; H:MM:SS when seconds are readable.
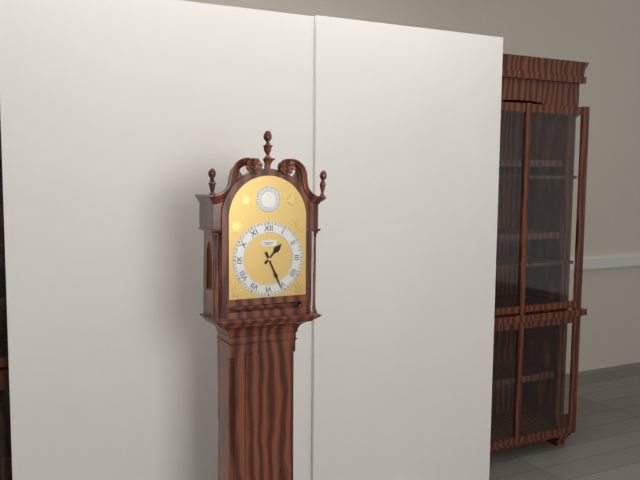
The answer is **1:26**
